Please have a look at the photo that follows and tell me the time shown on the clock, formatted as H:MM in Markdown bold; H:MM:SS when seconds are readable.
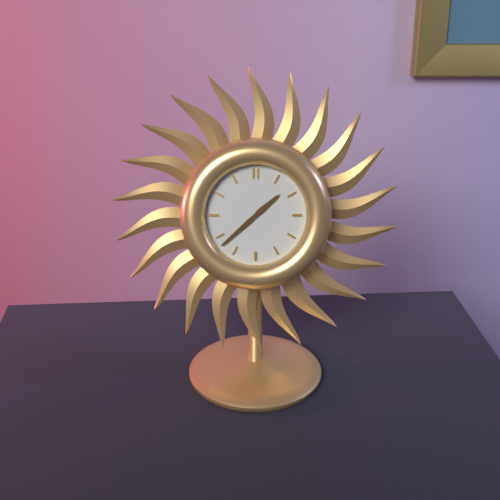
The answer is **1:38**
